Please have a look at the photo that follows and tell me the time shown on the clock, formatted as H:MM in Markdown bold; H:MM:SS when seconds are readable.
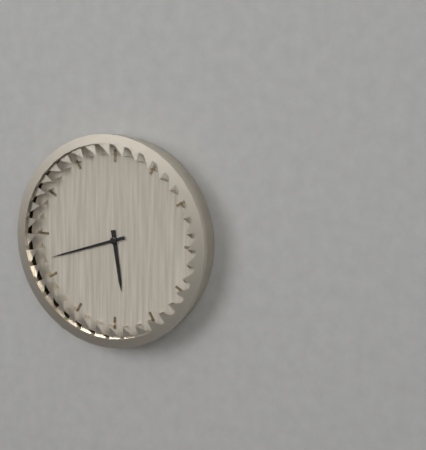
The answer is **5:42**
